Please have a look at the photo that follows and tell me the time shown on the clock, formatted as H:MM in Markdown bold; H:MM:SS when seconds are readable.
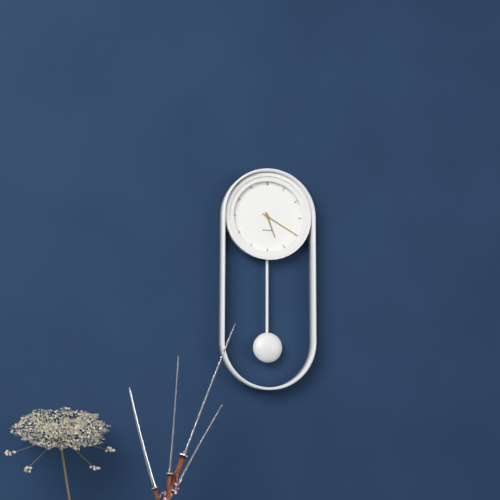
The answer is **5:20**
